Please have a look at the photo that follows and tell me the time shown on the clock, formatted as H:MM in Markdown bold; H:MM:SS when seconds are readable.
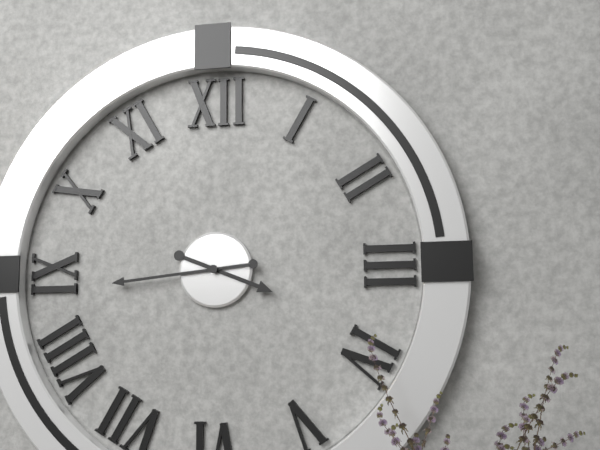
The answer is **3:44**
